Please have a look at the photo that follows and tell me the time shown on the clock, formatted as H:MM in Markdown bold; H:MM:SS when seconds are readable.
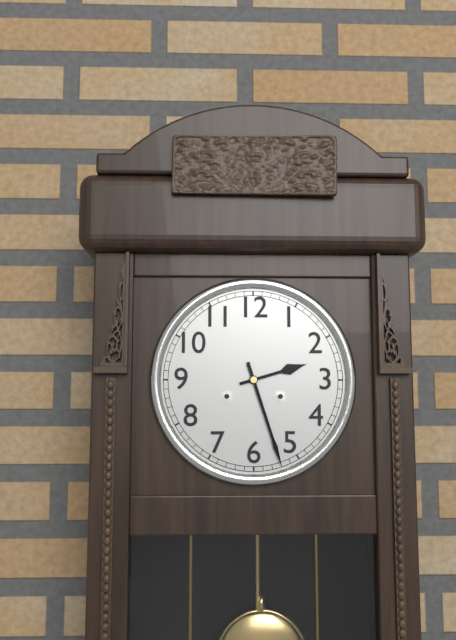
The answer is **2:27**
